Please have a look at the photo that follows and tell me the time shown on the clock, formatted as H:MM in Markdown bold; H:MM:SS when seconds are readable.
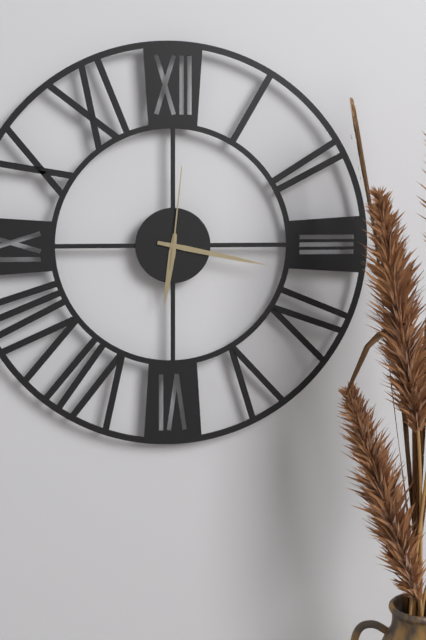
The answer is **6:17:01**
